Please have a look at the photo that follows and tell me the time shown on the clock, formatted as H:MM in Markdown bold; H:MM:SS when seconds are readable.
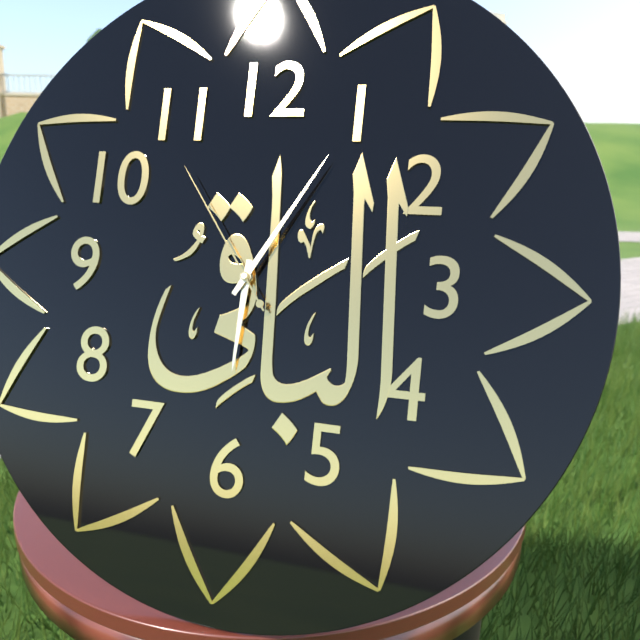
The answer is **6:05:54**
